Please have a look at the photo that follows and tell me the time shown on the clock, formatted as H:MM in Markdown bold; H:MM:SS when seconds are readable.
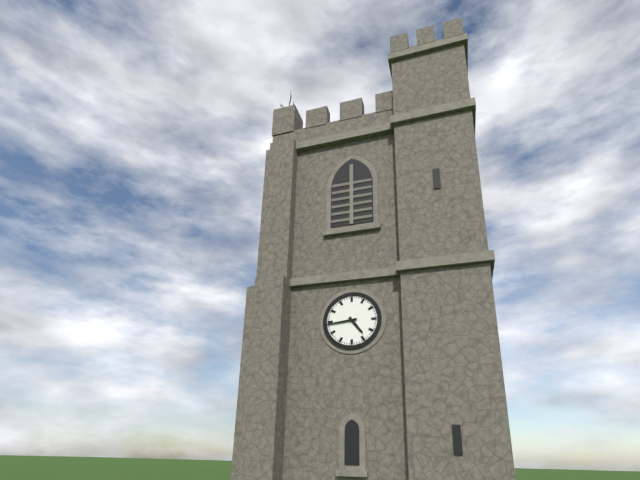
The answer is **4:44**
